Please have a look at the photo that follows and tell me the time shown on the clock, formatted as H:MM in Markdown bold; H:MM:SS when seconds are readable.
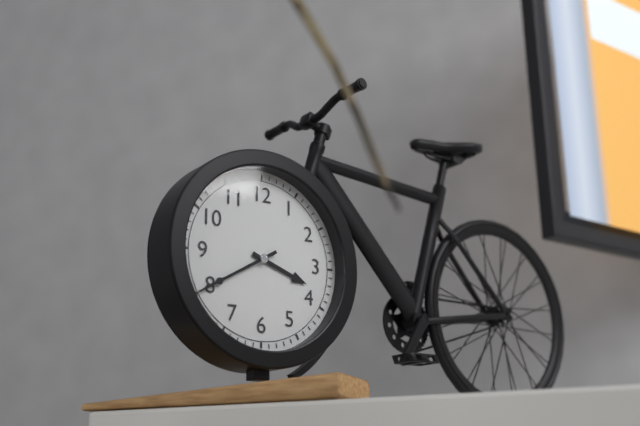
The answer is **3:40**
